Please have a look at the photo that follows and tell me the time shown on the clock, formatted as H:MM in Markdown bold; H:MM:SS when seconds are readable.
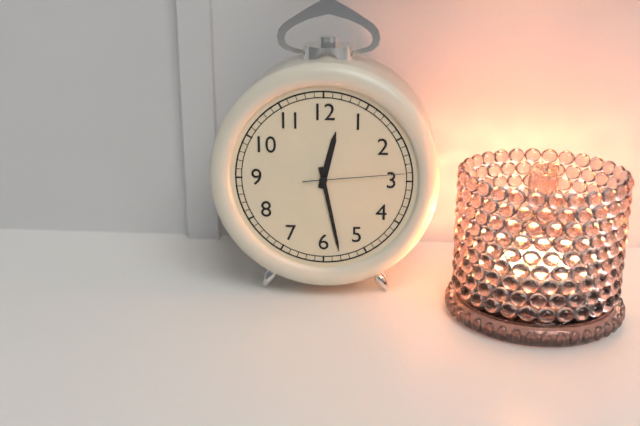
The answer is **12:28:14**
